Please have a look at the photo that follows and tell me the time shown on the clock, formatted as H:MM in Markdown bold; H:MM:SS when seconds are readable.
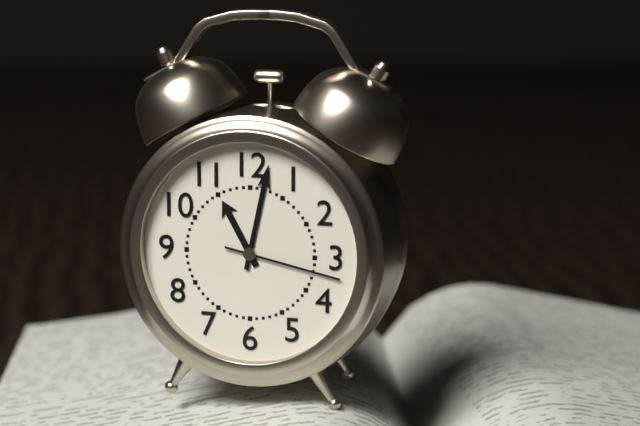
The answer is **11:02:17**
